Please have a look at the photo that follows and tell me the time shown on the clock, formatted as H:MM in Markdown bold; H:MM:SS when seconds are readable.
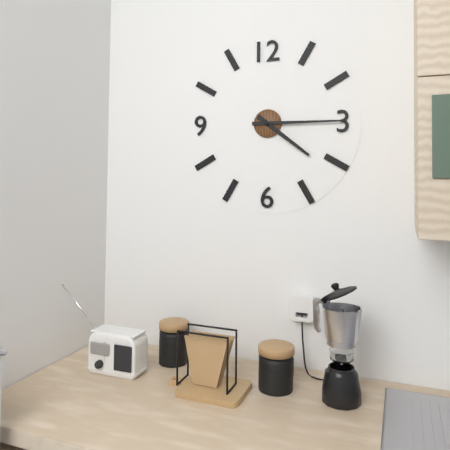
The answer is **4:15**
